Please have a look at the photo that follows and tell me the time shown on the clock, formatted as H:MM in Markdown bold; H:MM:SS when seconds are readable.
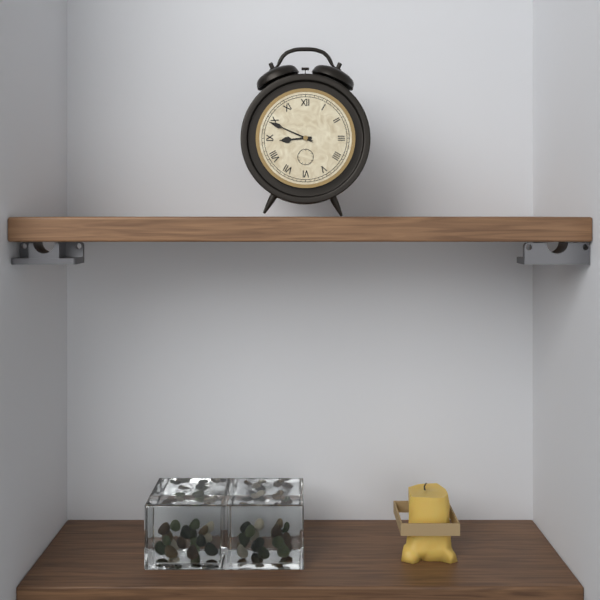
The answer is **8:49**
